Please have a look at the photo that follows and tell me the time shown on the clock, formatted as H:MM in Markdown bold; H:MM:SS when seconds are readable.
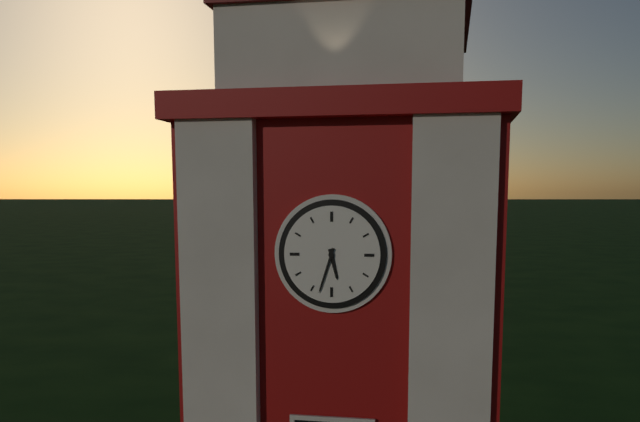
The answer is **5:33**
